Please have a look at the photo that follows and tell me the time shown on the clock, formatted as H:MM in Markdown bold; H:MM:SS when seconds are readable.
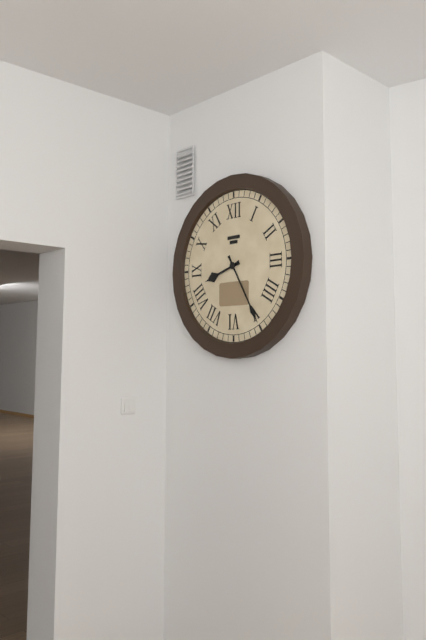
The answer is **8:25**
